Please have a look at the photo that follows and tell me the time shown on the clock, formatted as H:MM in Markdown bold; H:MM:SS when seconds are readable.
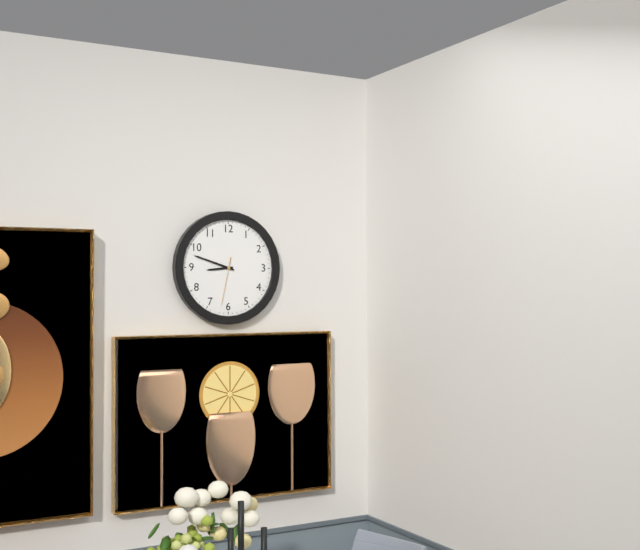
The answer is **8:48:32**
